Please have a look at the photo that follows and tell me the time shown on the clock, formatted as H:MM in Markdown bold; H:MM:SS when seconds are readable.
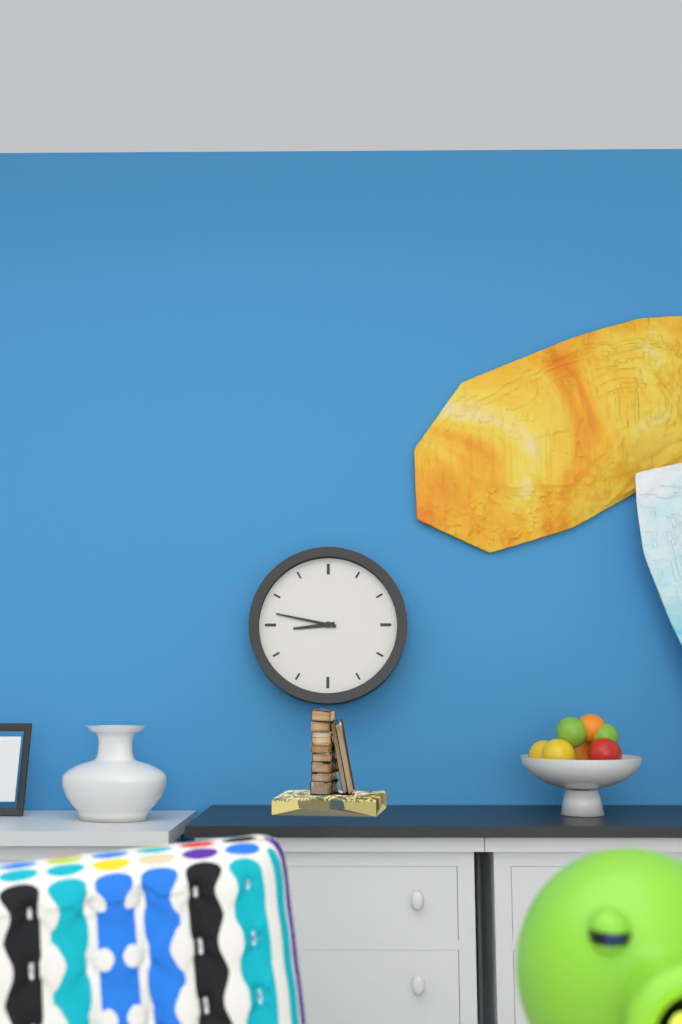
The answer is **8:47**
